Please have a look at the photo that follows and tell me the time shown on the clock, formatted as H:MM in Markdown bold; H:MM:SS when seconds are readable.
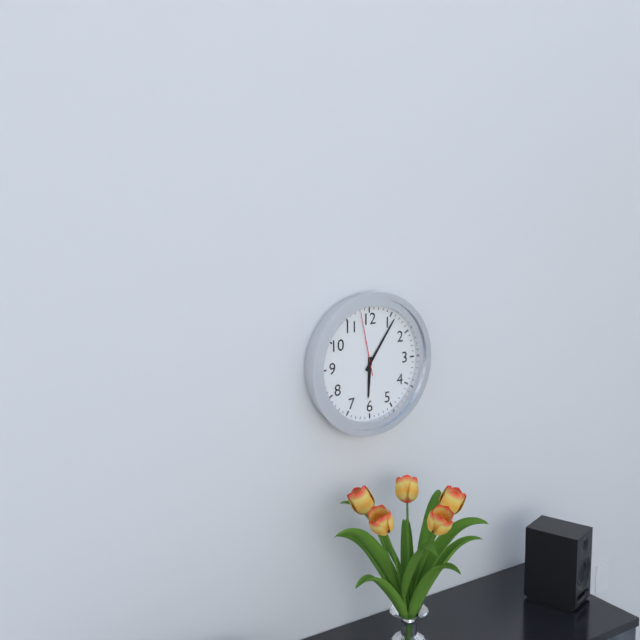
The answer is **6:06:58**
